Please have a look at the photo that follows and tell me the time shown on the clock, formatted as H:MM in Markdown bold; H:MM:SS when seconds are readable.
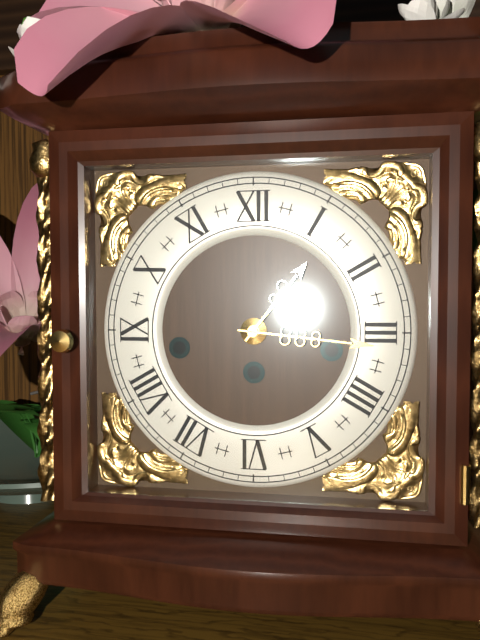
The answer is **1:16**
